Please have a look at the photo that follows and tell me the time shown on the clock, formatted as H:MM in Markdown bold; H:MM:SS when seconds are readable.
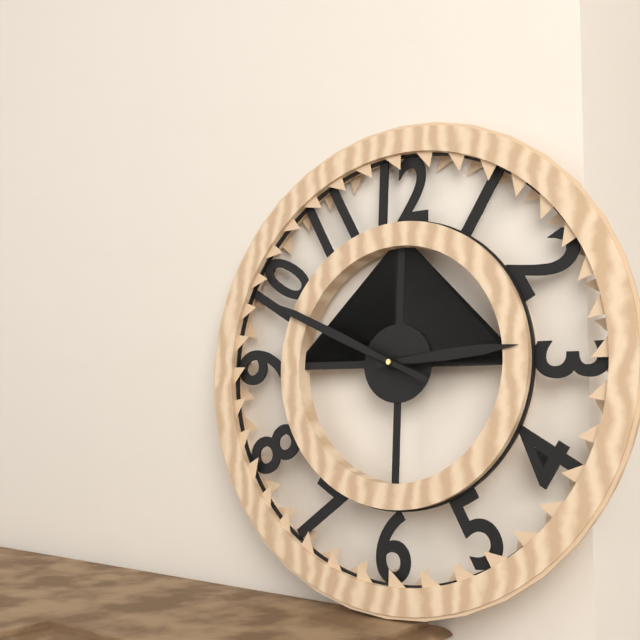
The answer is **2:49**
